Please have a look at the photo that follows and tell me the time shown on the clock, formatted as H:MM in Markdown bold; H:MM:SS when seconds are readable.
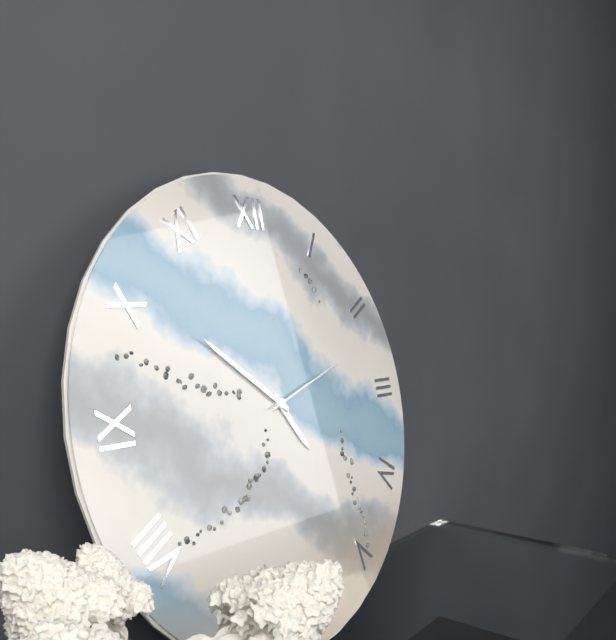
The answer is **4:51:12**
